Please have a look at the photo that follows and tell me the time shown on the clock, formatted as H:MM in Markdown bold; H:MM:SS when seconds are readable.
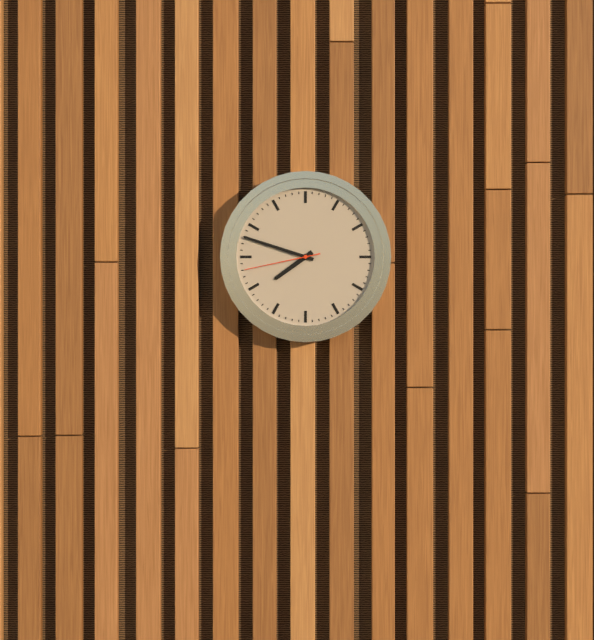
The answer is **7:48:43**
